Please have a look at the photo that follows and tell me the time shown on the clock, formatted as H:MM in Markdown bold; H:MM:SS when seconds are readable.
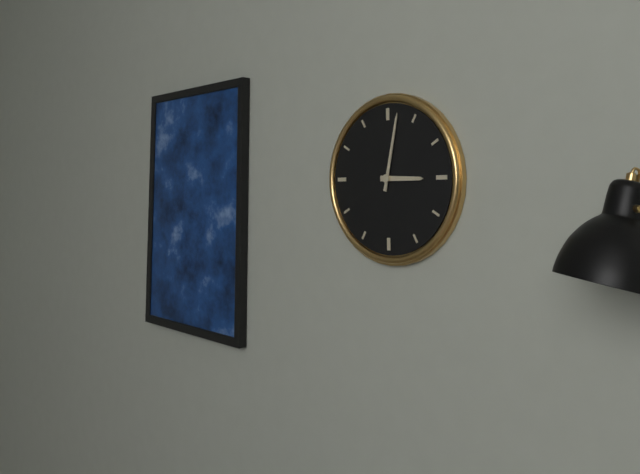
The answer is **3:02**
